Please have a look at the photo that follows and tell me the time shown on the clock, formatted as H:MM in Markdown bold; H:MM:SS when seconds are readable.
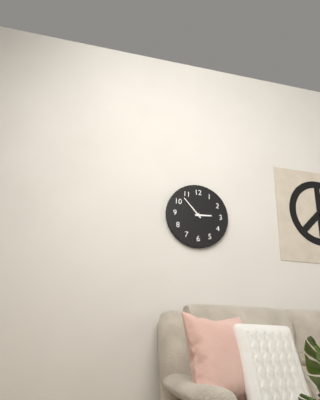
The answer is **2:53**
